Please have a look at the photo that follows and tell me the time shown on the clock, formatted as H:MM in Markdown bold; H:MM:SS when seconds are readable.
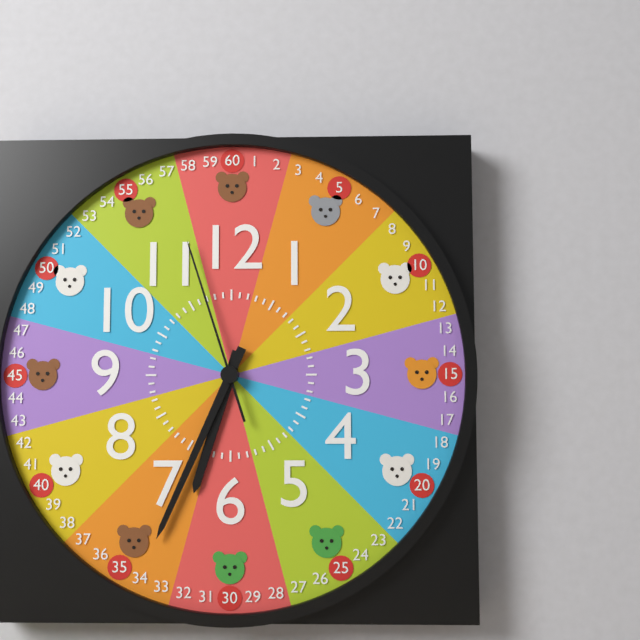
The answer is **6:34:57**
